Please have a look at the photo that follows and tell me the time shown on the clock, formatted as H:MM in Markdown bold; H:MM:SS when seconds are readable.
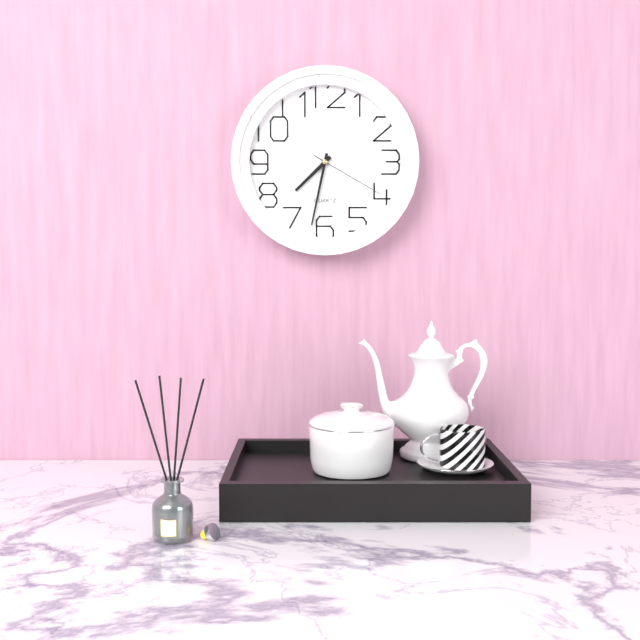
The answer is **7:32:20**
